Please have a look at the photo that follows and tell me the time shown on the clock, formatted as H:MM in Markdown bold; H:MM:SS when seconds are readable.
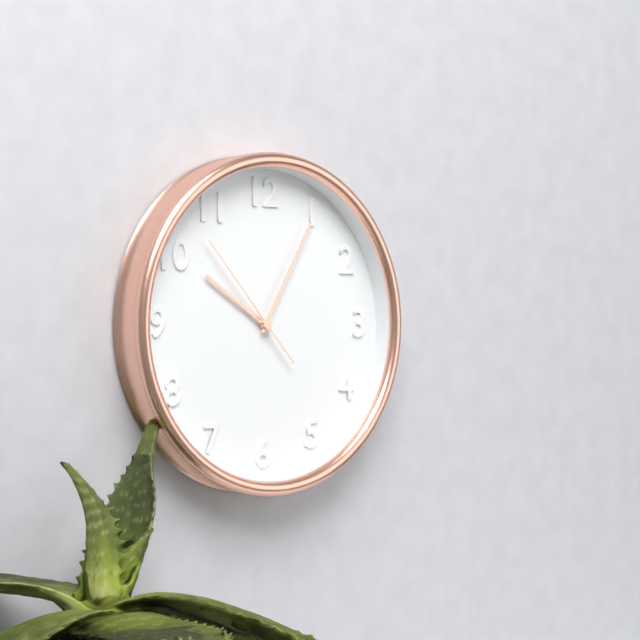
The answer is **10:05:53**
